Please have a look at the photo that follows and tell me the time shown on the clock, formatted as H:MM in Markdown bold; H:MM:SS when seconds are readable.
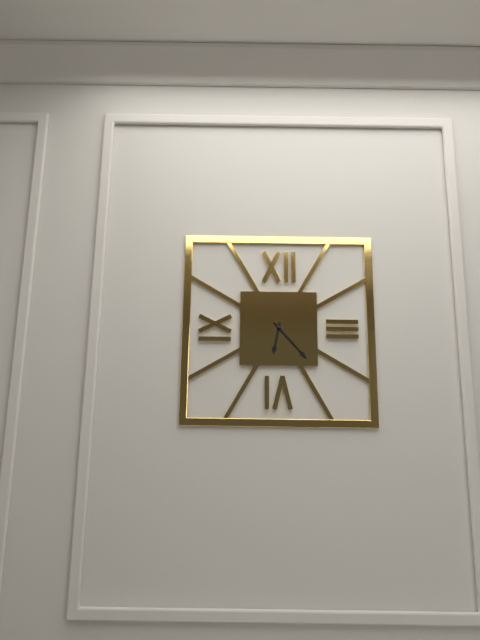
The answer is **6:23**
